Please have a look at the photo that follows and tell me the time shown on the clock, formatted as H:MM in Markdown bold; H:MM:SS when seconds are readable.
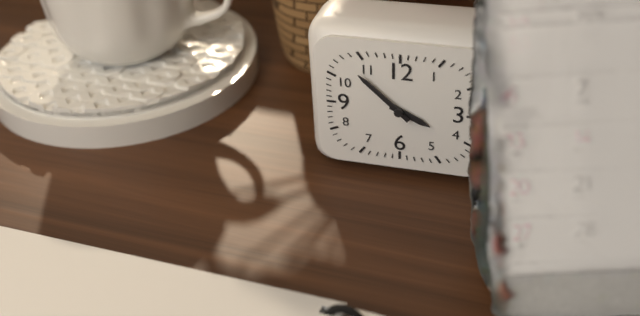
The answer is **3:52**
